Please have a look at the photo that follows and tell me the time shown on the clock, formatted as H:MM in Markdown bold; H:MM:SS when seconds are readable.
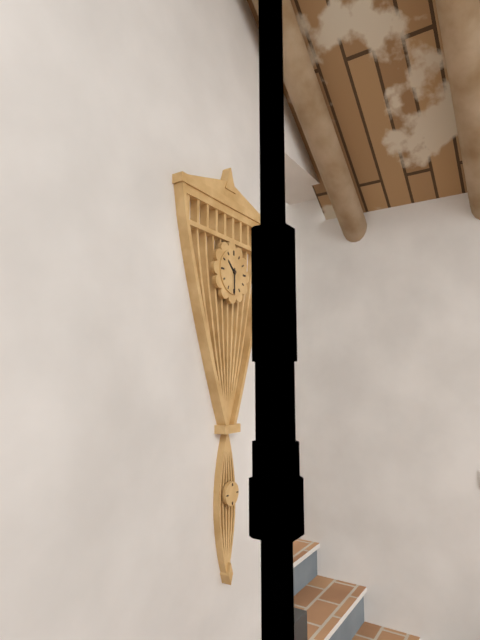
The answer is **10:30**
